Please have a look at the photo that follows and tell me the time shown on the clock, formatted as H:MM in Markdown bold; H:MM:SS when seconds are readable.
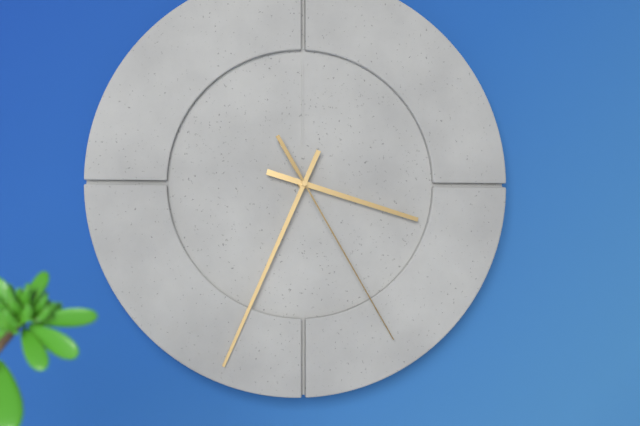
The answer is **3:34:25**
